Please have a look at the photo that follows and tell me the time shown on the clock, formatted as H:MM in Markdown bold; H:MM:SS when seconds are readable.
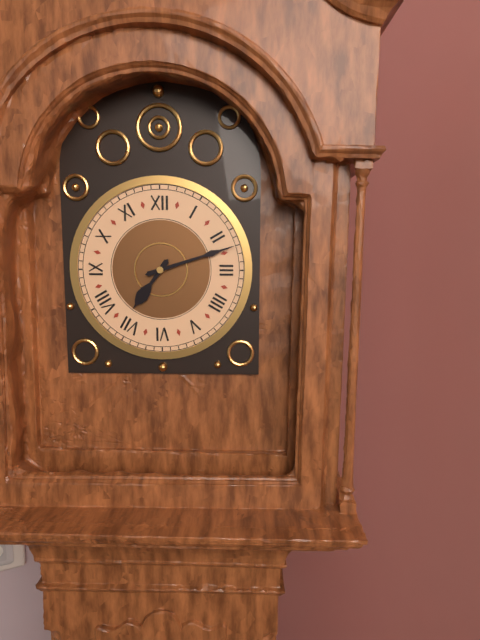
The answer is **7:12**
